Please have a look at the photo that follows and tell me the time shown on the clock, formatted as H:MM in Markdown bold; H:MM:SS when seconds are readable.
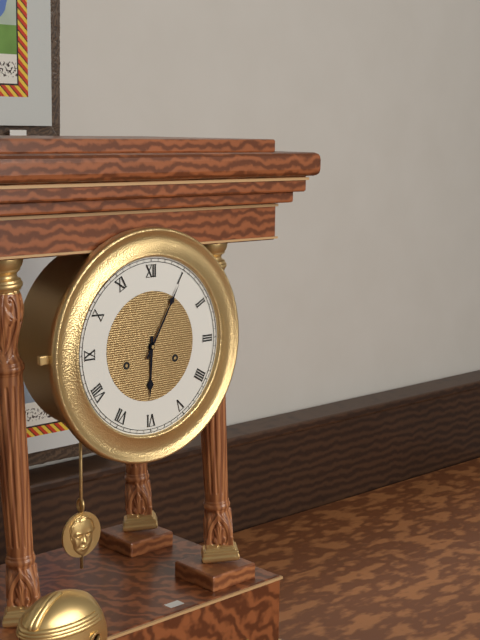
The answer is **6:05**
